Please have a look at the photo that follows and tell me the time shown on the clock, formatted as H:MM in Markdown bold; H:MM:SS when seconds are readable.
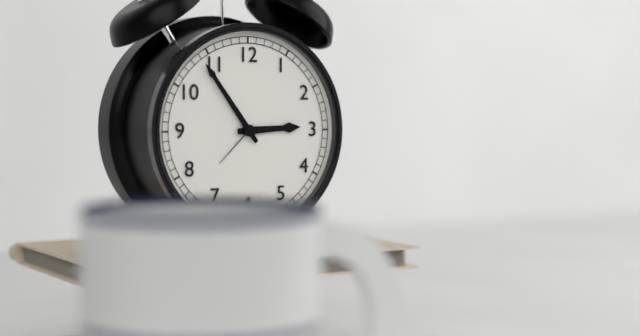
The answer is **2:54**
